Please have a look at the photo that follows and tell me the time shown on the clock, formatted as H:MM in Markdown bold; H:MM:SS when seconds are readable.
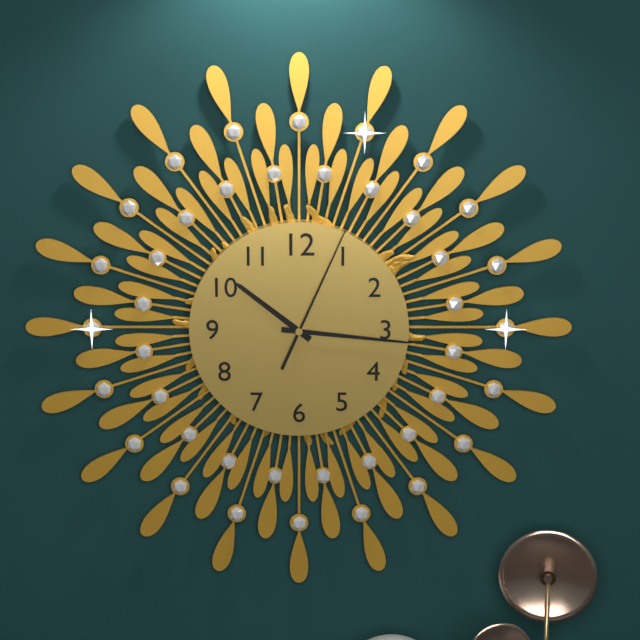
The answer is **10:16:04**
